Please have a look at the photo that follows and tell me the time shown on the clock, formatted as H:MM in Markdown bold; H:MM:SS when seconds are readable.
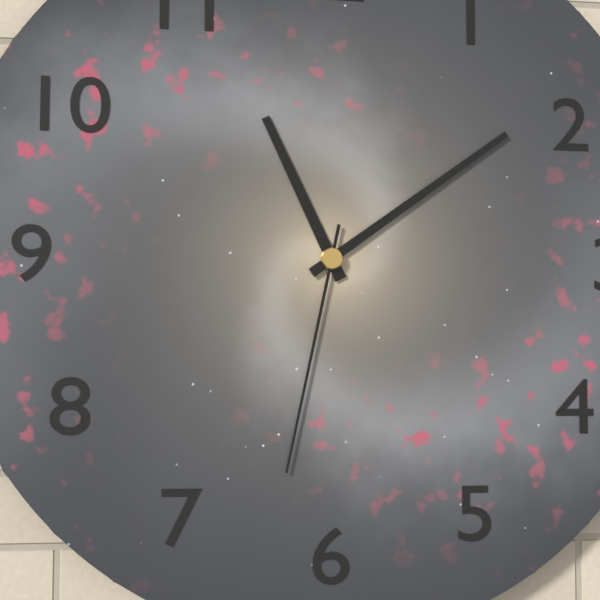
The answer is **11:09:32**
